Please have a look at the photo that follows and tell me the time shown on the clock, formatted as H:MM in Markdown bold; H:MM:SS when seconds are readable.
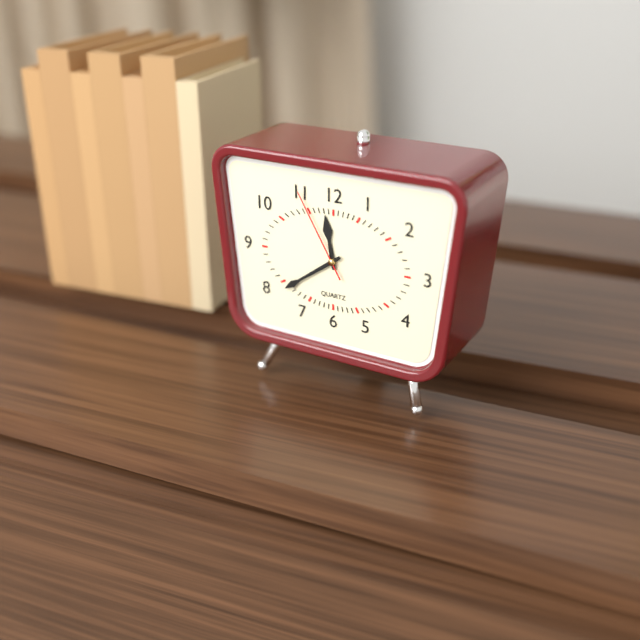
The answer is **11:39:55**
